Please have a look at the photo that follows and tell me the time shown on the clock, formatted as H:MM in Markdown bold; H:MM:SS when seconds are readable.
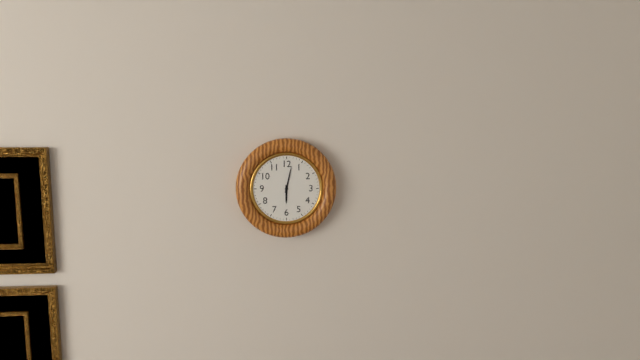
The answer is **6:02**
